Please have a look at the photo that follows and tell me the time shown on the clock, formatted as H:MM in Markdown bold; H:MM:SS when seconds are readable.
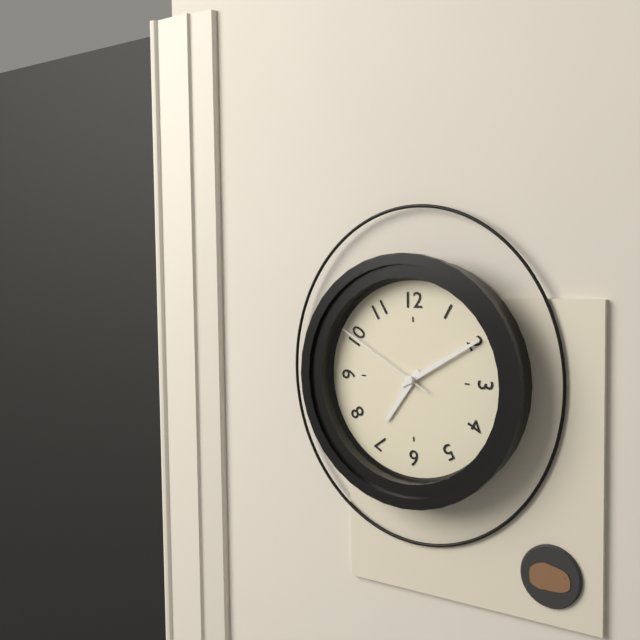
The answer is **7:10:50**
